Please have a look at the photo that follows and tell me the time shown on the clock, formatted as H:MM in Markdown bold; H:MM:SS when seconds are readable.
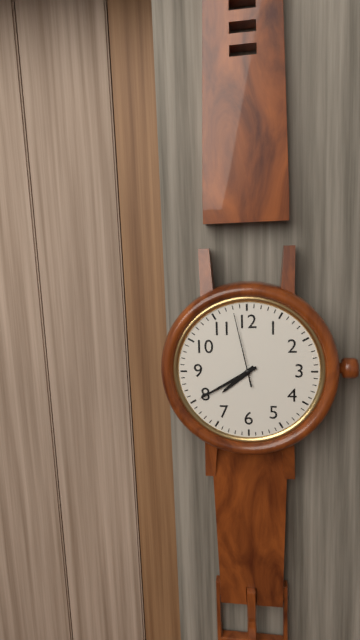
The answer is **7:40:58**
